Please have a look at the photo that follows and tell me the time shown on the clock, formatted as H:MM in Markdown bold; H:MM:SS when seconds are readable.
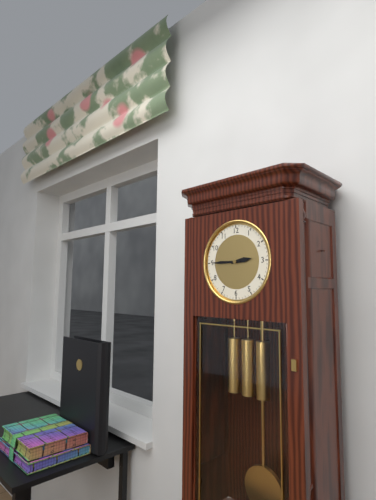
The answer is **2:45**
